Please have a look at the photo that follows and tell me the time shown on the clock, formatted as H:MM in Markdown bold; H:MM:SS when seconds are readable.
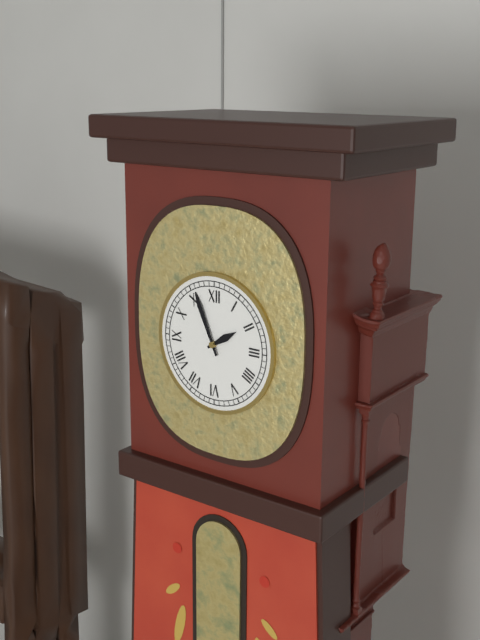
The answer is **1:56**
